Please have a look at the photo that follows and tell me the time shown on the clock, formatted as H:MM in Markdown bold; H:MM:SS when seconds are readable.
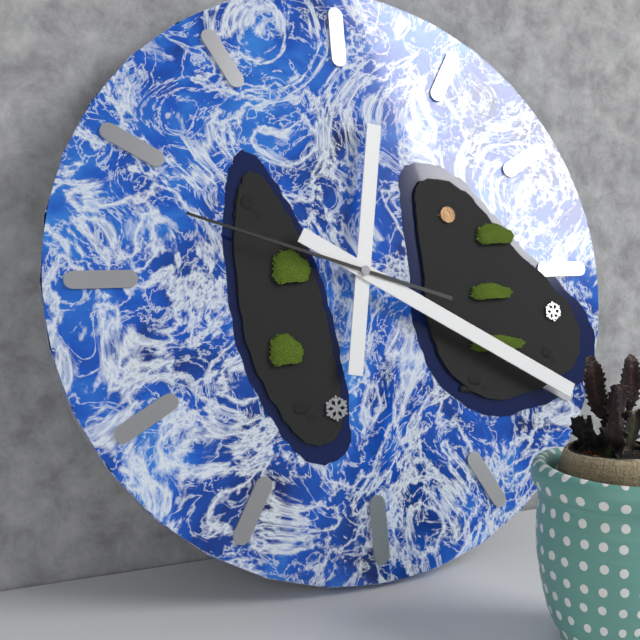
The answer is **12:20:48**
